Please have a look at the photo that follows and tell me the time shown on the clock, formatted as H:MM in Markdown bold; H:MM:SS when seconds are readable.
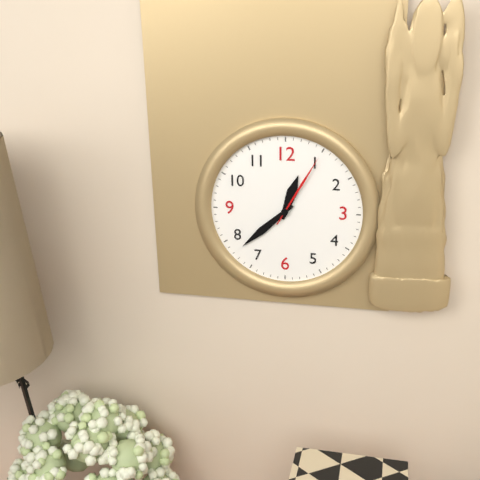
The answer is **12:38:05**
